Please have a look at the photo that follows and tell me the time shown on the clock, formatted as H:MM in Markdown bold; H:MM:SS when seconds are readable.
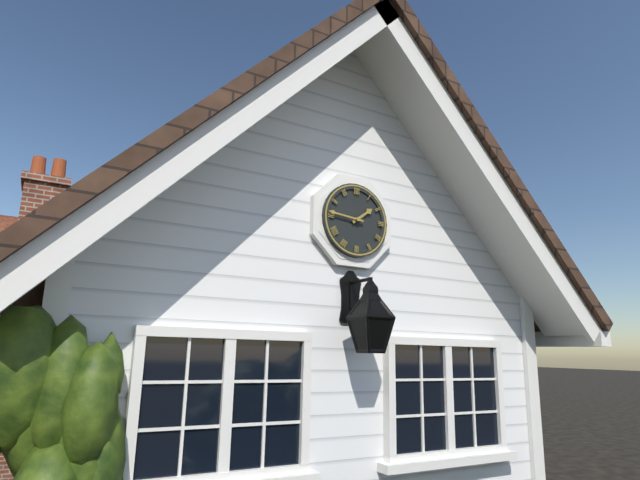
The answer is **1:46**
